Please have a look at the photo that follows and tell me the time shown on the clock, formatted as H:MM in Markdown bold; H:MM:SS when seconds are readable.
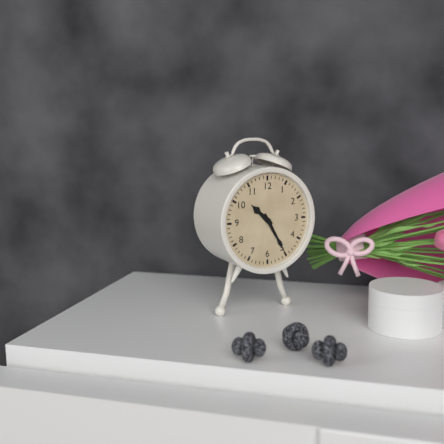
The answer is **10:25**
